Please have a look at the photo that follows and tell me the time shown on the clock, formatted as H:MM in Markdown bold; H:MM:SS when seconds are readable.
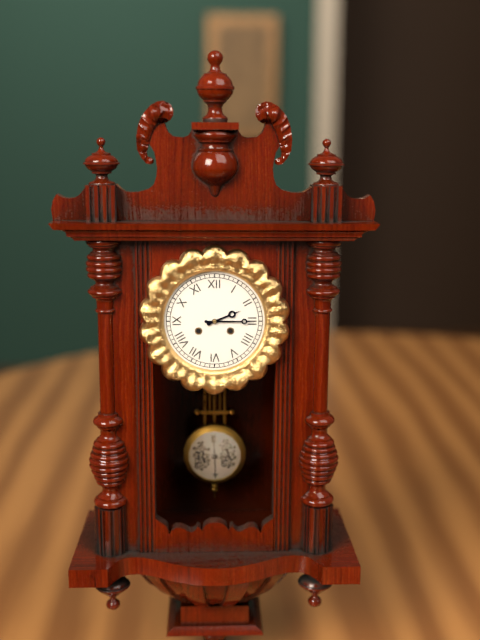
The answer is **2:15**
